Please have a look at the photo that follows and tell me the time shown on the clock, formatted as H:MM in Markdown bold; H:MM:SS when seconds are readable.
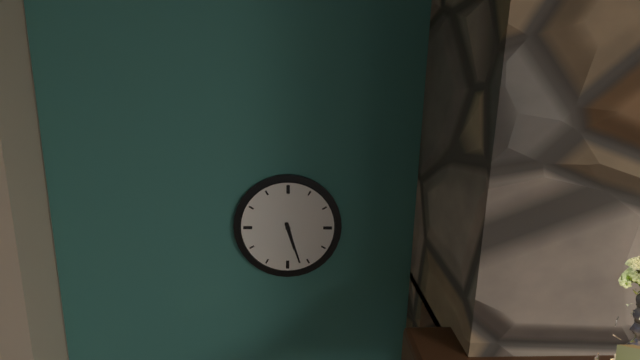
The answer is **5:27**
